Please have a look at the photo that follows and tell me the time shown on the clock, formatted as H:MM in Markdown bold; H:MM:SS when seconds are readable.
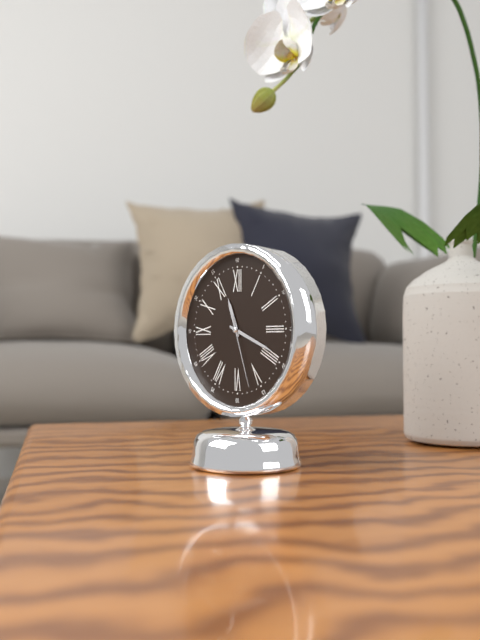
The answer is **11:19:27**
